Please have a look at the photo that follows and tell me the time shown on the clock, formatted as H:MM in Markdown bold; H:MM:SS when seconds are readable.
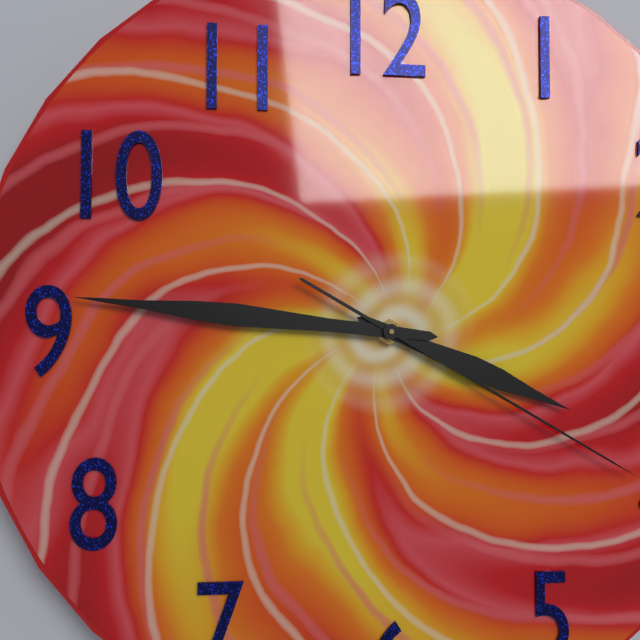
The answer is **3:46:20**
